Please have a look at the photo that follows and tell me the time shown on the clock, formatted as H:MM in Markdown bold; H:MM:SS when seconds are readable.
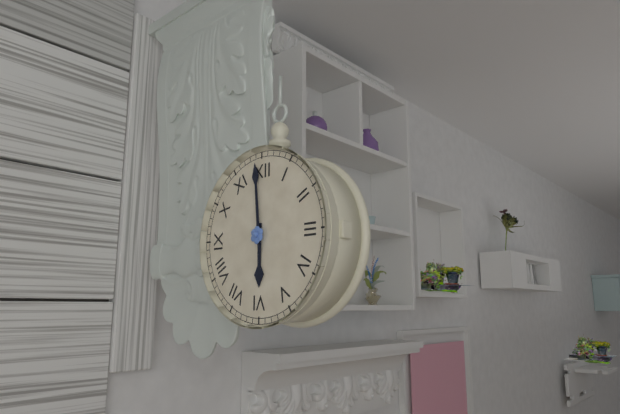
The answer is **5:59**
